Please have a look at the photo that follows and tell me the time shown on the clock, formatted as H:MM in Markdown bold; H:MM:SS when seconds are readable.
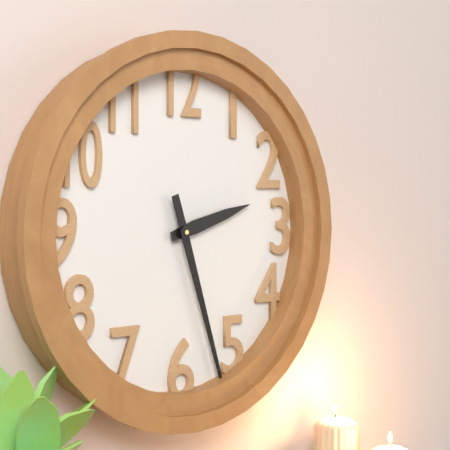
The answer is **2:27**
